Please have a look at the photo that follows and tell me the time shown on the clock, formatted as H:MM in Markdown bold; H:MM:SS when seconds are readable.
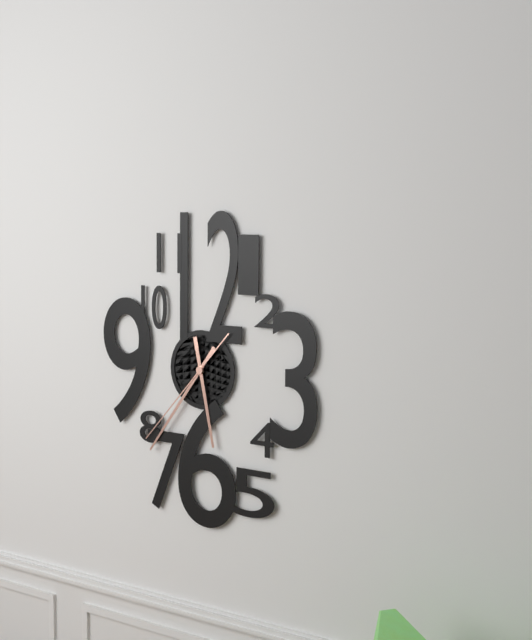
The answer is **5:36:37**
